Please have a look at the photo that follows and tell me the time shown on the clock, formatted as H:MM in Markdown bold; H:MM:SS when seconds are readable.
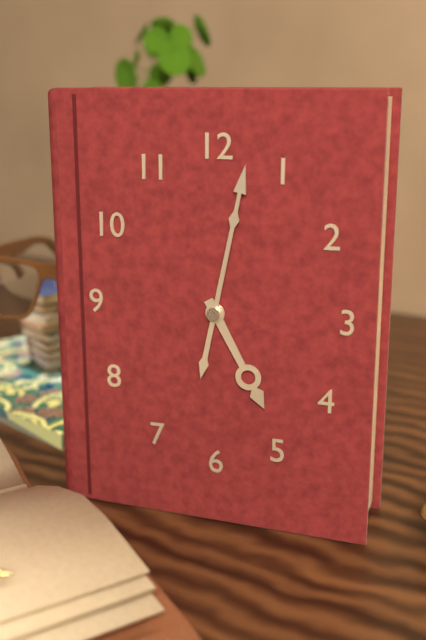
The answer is **5:02**
